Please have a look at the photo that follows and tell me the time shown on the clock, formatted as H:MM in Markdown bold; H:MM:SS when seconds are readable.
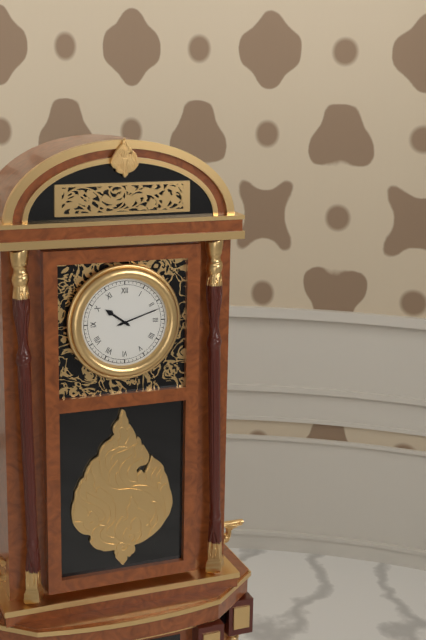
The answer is **10:12**
